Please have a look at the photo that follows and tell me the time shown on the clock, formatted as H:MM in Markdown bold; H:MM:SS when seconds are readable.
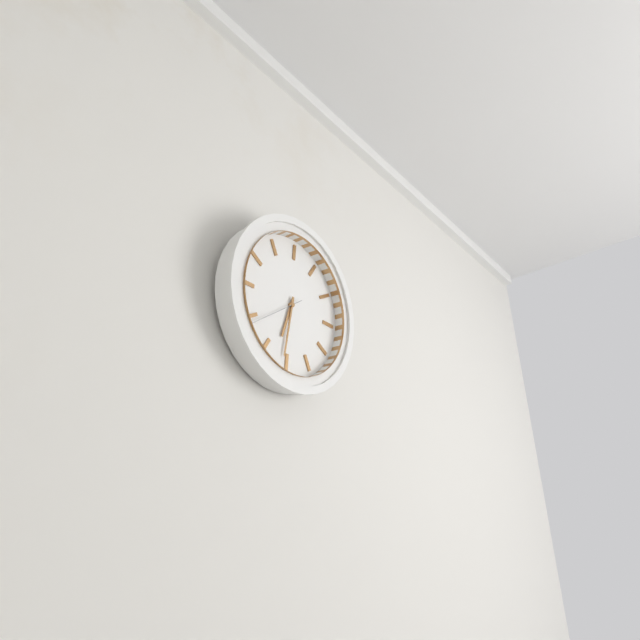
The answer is **6:31:39**
